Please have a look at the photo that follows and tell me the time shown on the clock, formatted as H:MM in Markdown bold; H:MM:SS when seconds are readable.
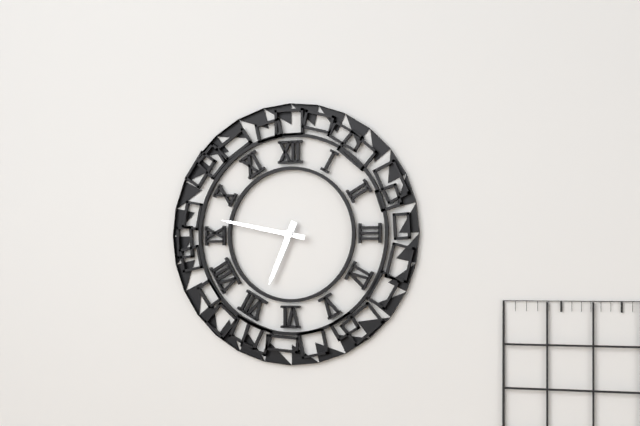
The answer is **6:47**
